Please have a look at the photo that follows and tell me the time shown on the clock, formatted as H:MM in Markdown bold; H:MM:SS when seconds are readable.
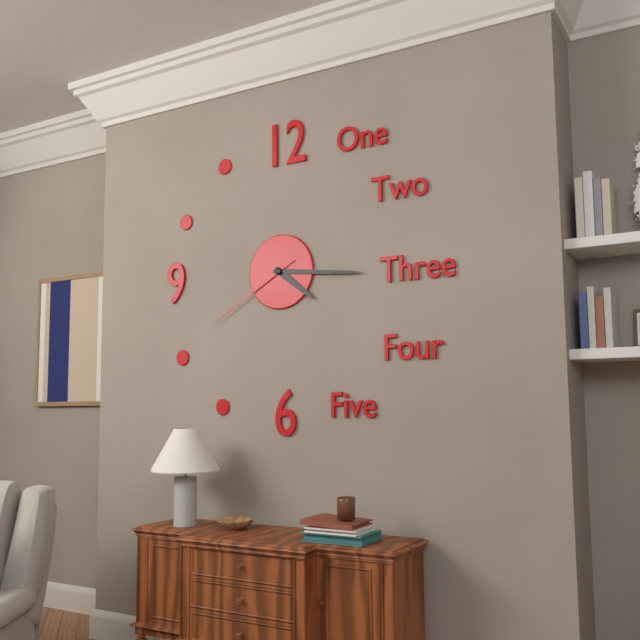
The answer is **4:16:40**
